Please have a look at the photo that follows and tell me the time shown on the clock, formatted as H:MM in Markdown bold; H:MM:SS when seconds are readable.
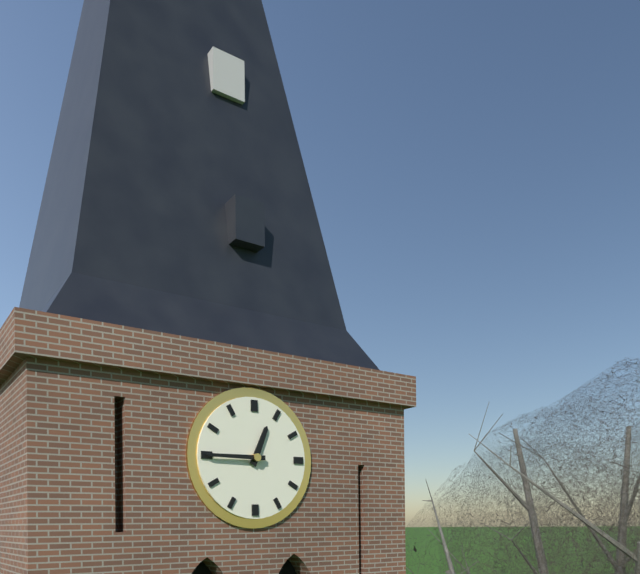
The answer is **12:45**
